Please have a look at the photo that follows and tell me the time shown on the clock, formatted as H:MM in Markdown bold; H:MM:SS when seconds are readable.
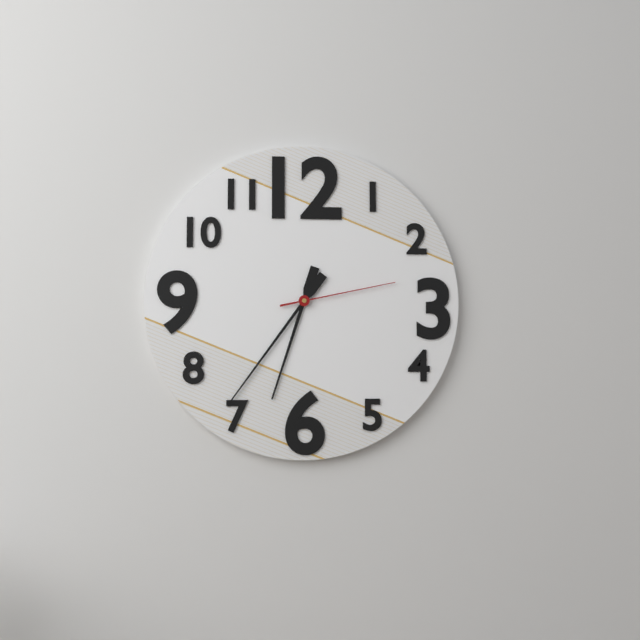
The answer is **6:36:13**
